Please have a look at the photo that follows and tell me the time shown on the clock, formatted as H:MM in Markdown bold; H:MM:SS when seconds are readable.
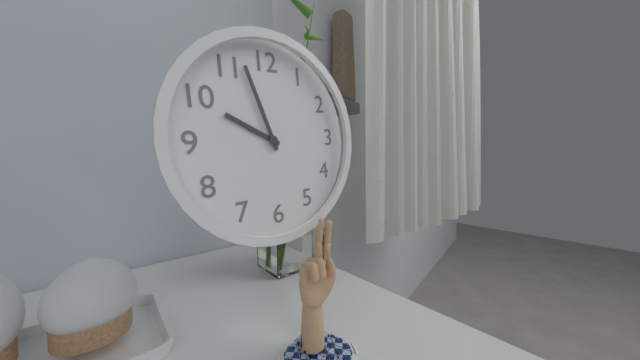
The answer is **9:57**
